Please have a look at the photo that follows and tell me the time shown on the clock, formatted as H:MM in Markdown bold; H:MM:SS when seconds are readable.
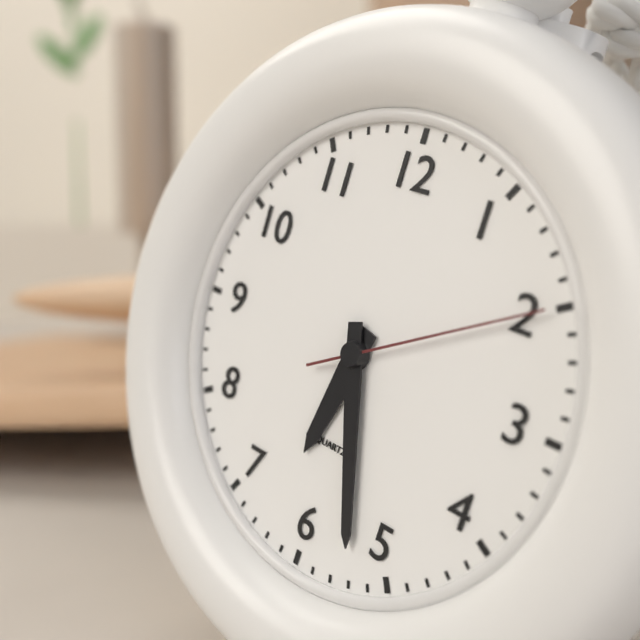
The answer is **6:27:10**
